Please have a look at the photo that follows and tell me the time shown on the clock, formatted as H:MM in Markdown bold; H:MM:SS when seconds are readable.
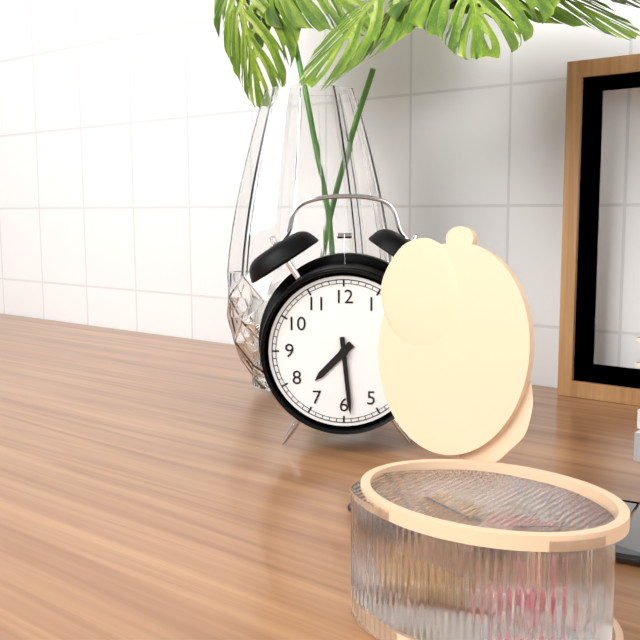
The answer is **7:29**
